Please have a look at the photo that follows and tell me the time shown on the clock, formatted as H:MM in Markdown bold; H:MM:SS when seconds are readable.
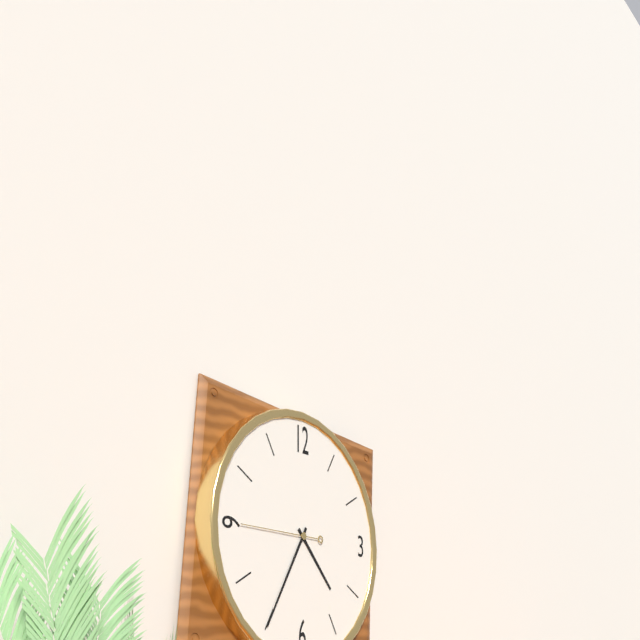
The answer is **4:35:45**
